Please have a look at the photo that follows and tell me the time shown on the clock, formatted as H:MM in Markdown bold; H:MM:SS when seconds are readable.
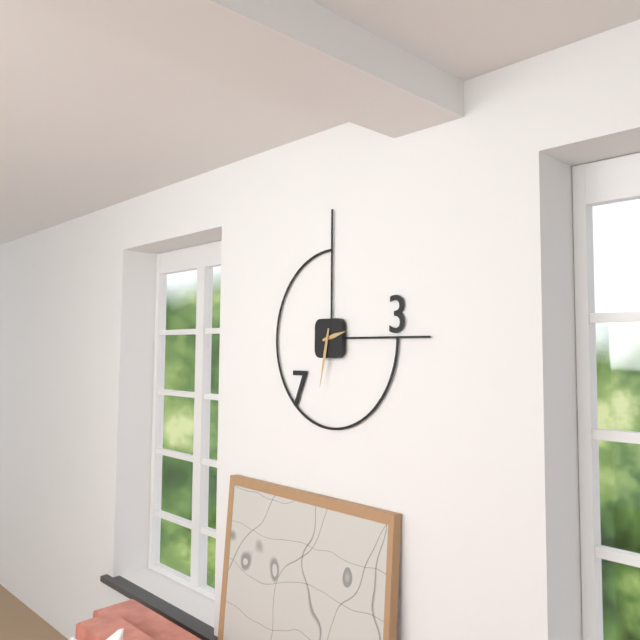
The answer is **2:32**
